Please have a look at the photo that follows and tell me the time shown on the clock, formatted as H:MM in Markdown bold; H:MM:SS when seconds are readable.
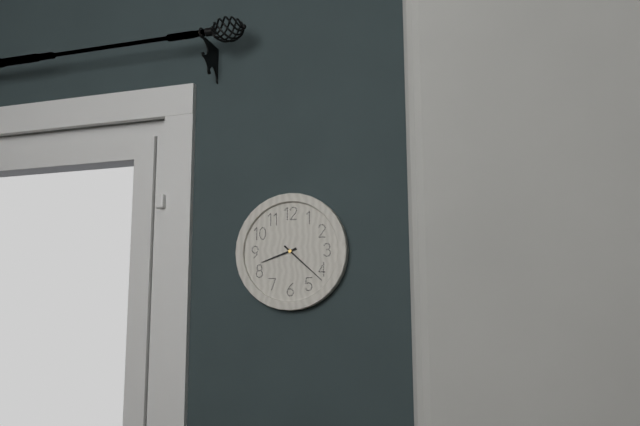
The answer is **8:22**
